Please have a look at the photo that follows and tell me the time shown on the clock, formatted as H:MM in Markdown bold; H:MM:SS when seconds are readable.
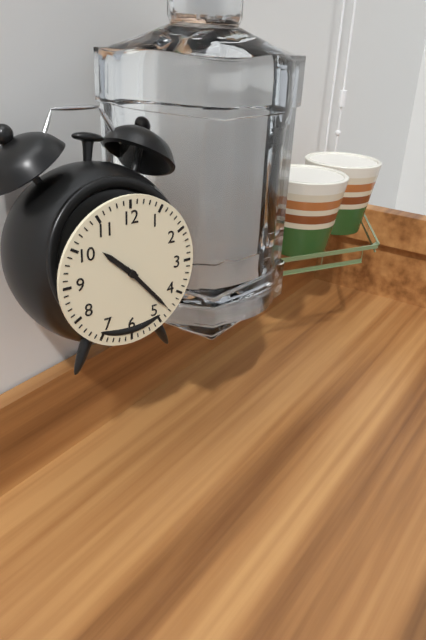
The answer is **10:23**
